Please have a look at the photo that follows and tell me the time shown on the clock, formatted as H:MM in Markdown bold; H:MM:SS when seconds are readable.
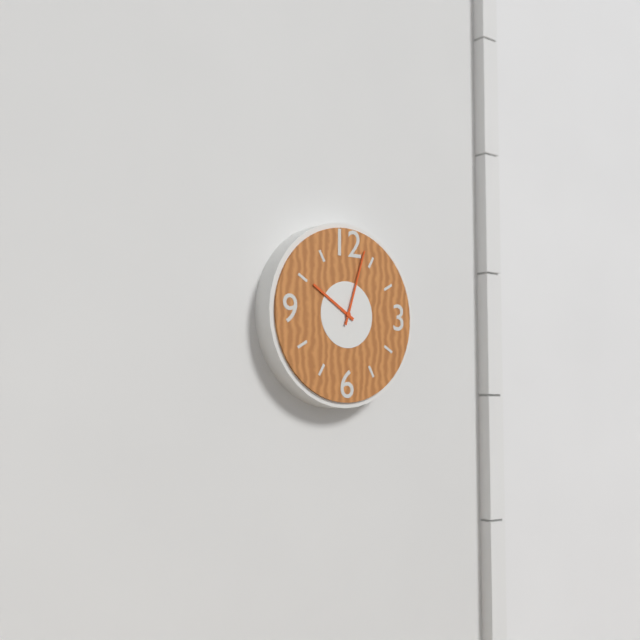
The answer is **10:03**
